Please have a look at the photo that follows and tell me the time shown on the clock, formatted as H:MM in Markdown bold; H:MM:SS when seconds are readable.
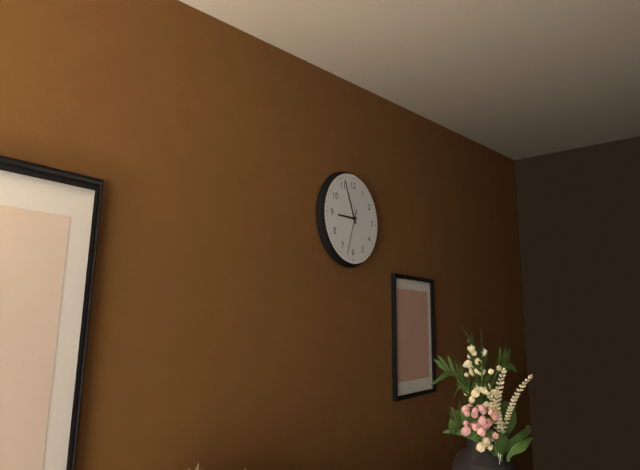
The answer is **8:56**
